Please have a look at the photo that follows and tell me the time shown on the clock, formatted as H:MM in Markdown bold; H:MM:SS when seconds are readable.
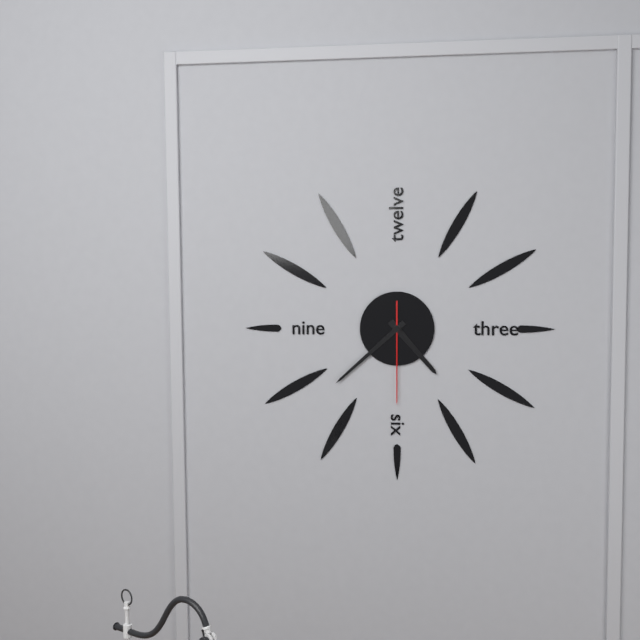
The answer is **4:38:30**
